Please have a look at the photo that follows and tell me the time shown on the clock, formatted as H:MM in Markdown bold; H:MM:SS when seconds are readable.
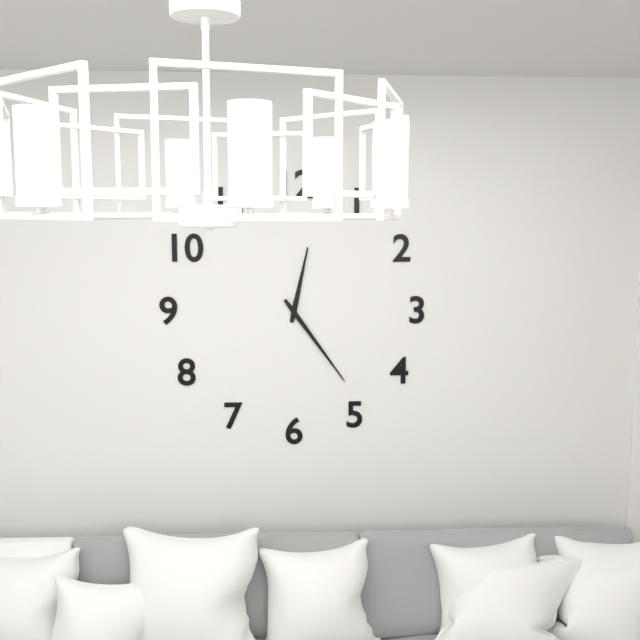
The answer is **12:24**
